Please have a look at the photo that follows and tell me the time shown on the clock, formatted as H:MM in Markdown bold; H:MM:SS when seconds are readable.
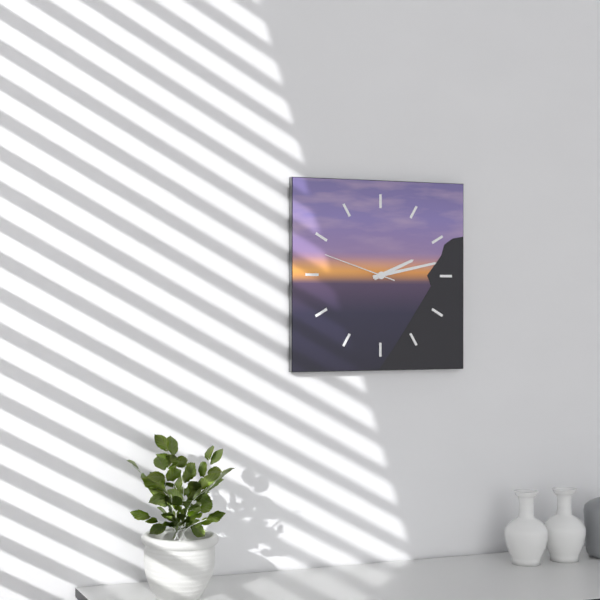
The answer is **2:13:48**
